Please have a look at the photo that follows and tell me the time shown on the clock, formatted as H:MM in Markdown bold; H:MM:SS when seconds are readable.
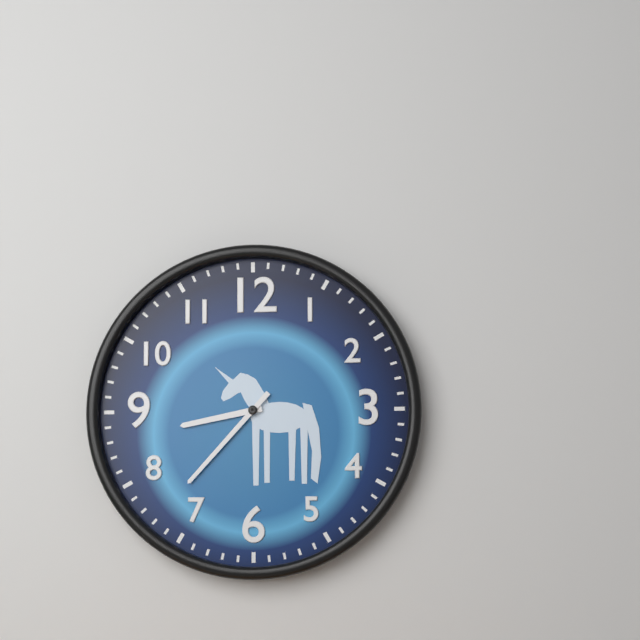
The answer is **8:37**
